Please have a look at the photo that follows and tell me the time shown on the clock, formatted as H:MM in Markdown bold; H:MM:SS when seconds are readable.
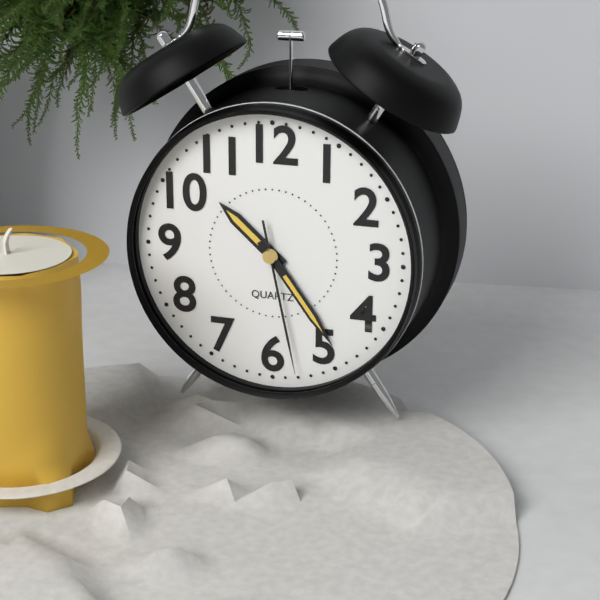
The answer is **10:24:28**
